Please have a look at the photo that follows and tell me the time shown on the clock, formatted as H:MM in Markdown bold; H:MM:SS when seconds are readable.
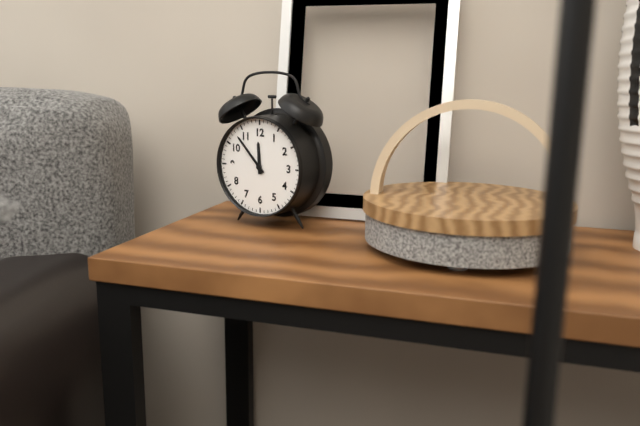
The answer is **11:53**
